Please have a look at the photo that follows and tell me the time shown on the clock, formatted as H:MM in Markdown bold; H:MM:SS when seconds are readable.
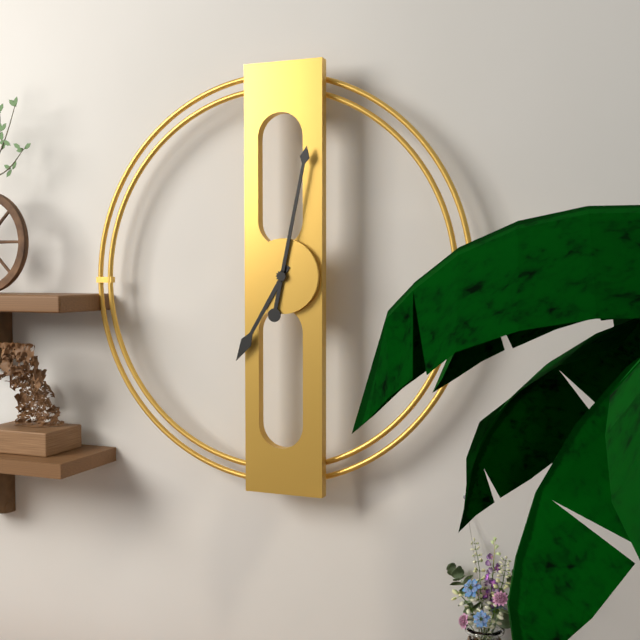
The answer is **7:02**
